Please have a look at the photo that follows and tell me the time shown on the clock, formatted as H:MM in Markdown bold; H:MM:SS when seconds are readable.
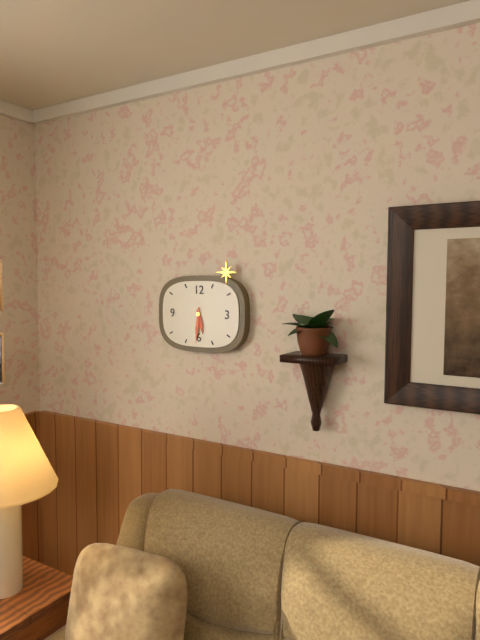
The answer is **5:31**
